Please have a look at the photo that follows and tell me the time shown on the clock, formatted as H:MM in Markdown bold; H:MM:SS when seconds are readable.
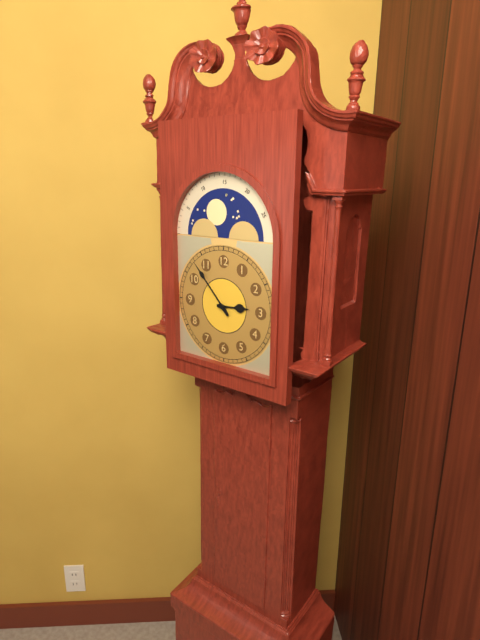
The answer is **2:53**
